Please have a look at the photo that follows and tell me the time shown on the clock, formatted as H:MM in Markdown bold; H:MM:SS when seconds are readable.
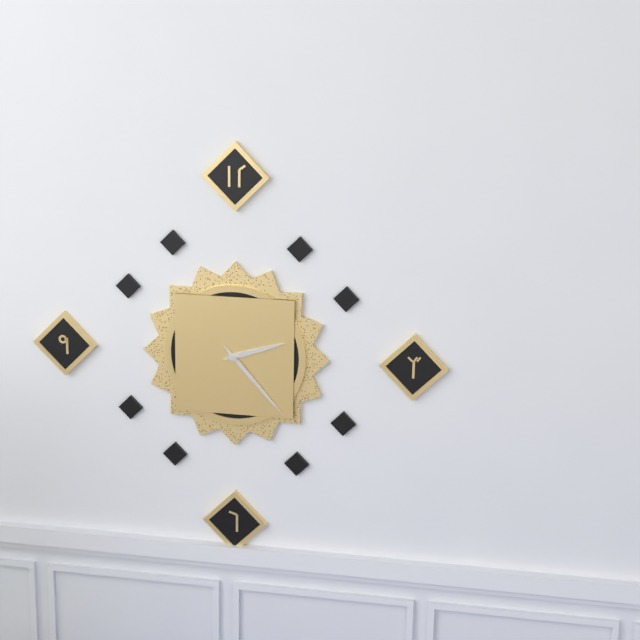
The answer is **2:23**
